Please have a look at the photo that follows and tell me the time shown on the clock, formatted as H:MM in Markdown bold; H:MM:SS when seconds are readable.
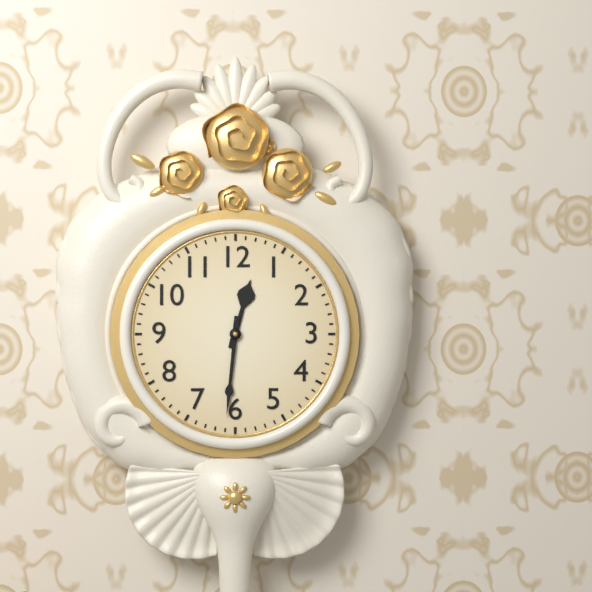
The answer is **12:31**
